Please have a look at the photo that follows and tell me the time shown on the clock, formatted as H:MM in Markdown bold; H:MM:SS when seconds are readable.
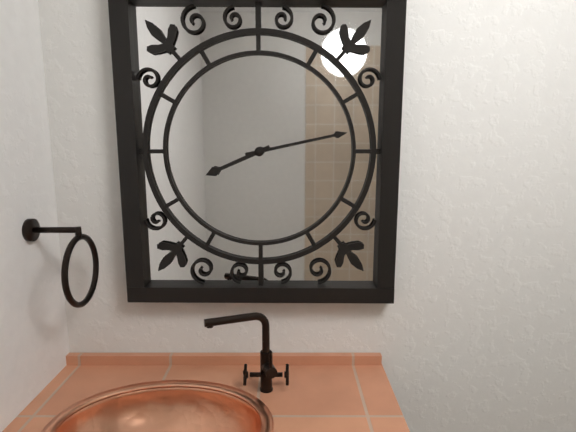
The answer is **8:13**
